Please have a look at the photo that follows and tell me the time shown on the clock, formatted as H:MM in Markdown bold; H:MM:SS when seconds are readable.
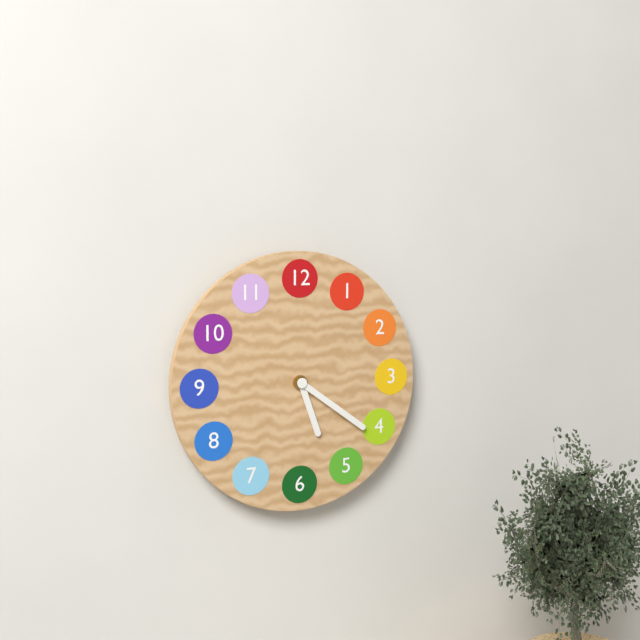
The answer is **5:21**
